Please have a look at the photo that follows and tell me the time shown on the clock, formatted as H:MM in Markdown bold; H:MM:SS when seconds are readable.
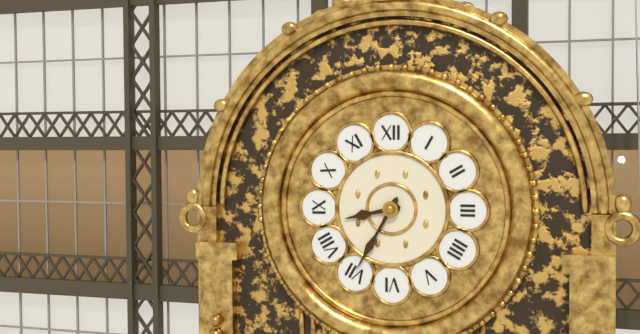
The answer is **8:35**
